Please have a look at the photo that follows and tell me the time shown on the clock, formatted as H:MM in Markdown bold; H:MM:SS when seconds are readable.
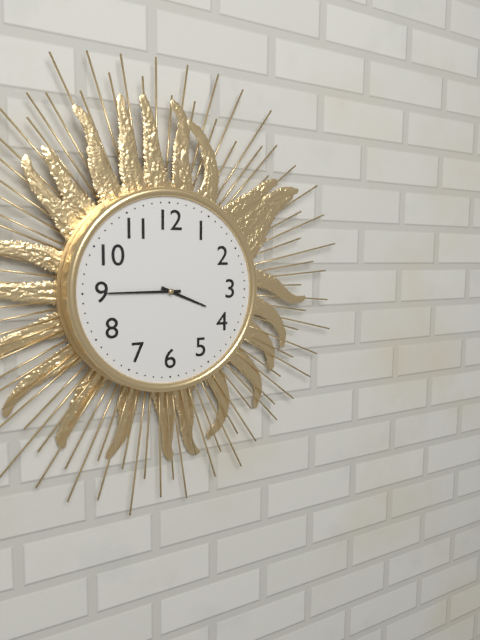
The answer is **3:45**
